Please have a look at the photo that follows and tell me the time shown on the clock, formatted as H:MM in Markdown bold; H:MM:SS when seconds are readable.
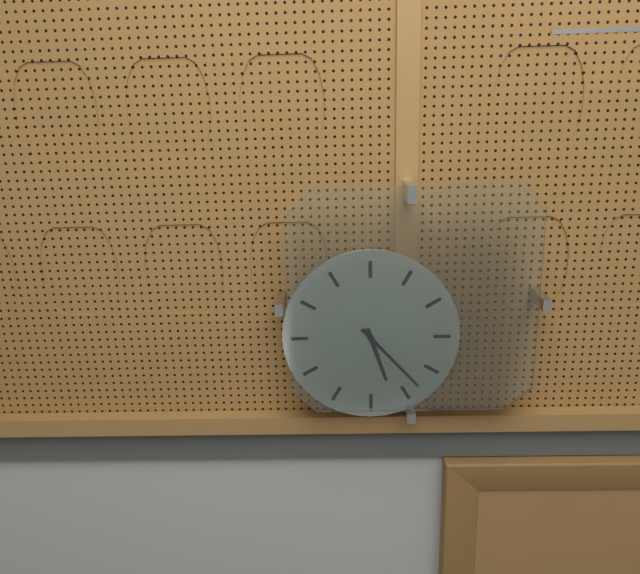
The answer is **5:23**
